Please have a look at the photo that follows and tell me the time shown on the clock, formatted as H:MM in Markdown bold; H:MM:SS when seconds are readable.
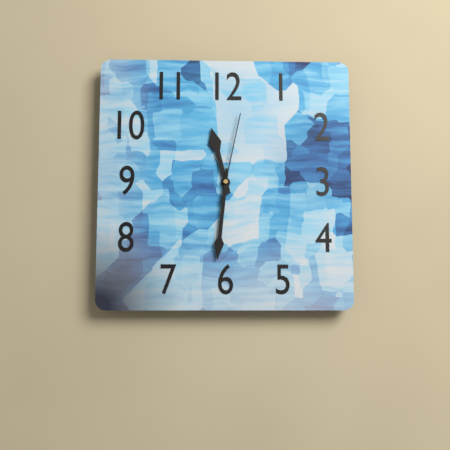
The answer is **11:31:02**
